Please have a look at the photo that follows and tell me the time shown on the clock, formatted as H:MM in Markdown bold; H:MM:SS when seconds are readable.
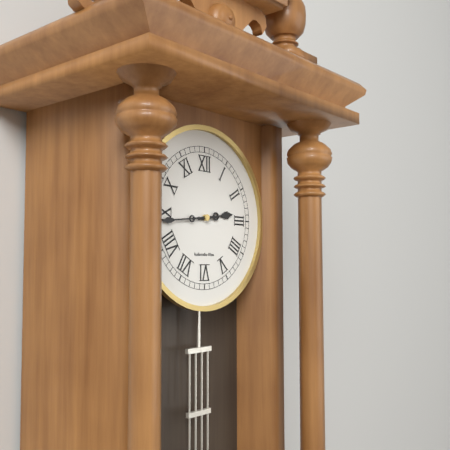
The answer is **2:44**
